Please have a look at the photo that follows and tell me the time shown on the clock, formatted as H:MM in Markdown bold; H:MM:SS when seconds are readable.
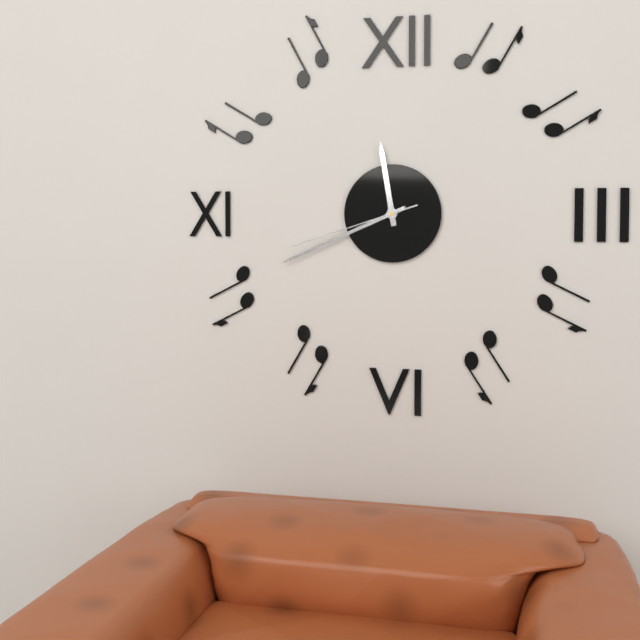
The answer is **11:41:42**
